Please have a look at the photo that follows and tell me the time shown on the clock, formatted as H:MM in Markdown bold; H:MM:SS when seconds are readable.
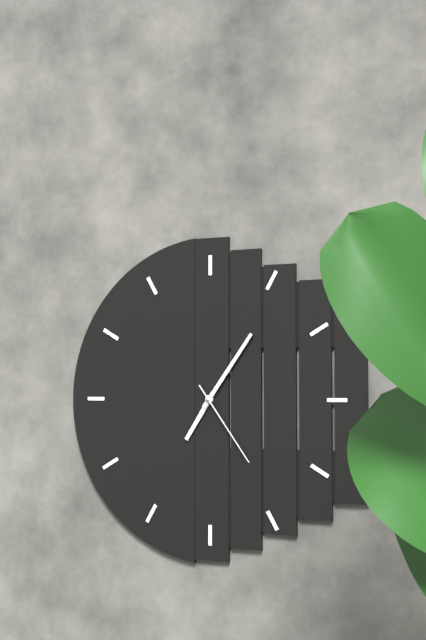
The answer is **7:06:24**
